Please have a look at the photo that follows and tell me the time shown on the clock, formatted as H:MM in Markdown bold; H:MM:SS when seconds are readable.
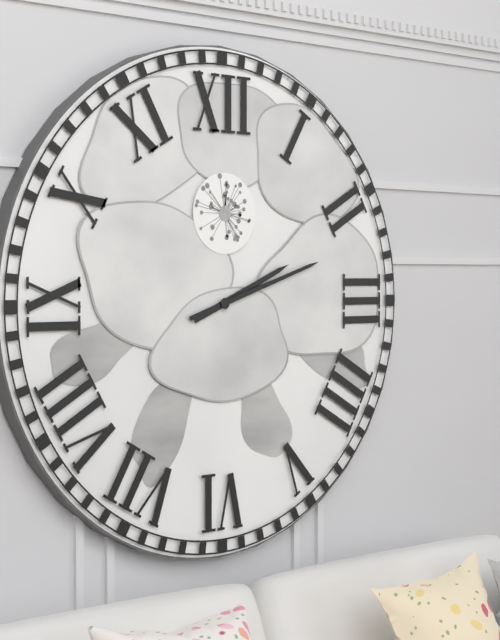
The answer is **2:12**
